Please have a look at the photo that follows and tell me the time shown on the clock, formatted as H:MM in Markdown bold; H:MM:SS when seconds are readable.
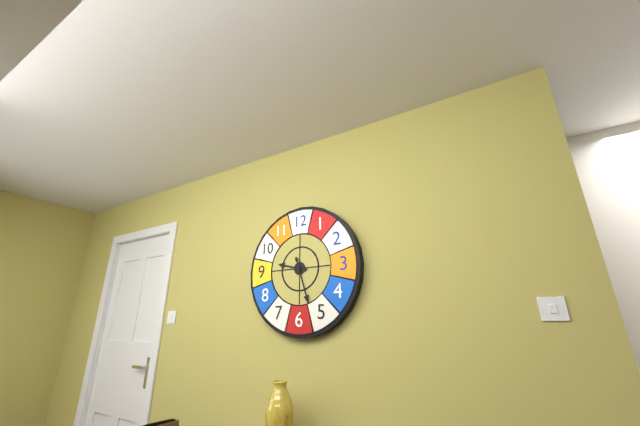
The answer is **9:27**
